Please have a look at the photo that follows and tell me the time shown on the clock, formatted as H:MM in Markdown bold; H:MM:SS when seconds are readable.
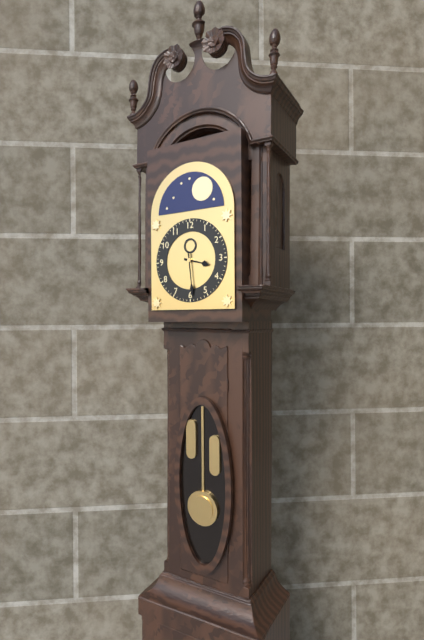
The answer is **3:29**
